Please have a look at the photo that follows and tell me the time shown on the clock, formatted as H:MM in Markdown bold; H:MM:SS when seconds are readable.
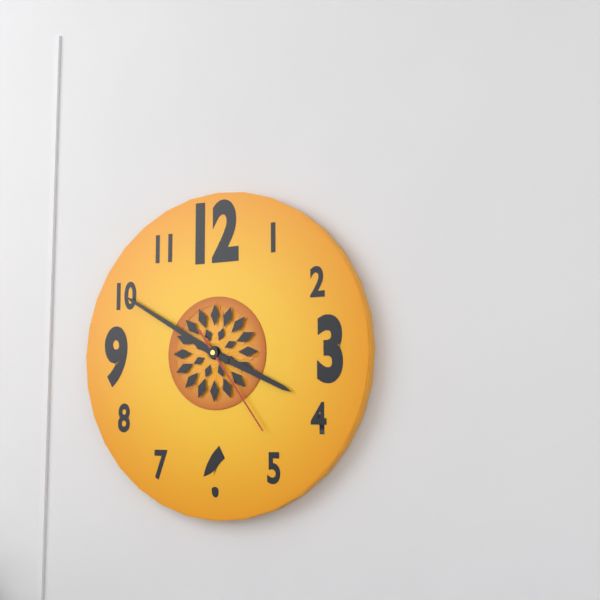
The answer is **3:50:24**
